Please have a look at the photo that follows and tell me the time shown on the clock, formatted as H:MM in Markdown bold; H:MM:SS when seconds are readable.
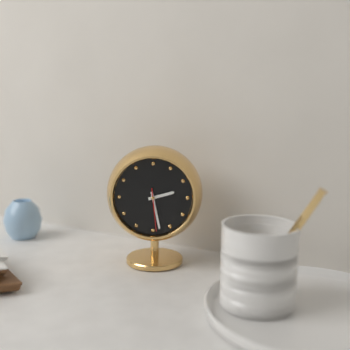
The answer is **2:28**
